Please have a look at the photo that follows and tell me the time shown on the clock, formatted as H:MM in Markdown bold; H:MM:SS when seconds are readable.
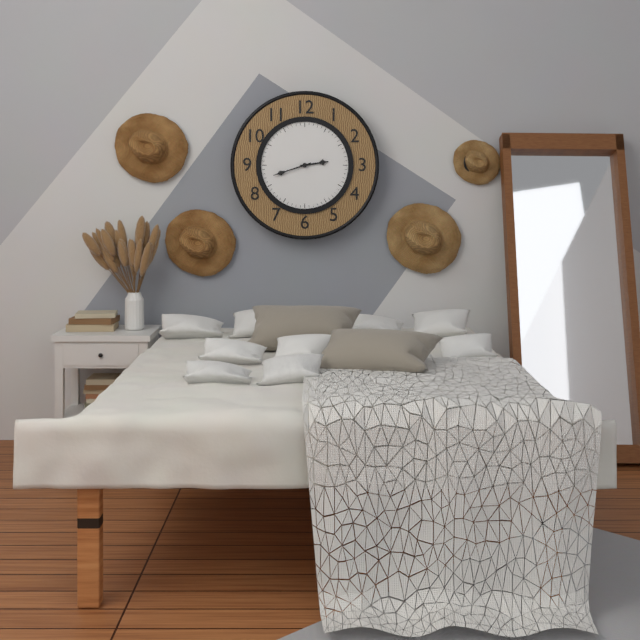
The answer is **2:42**
